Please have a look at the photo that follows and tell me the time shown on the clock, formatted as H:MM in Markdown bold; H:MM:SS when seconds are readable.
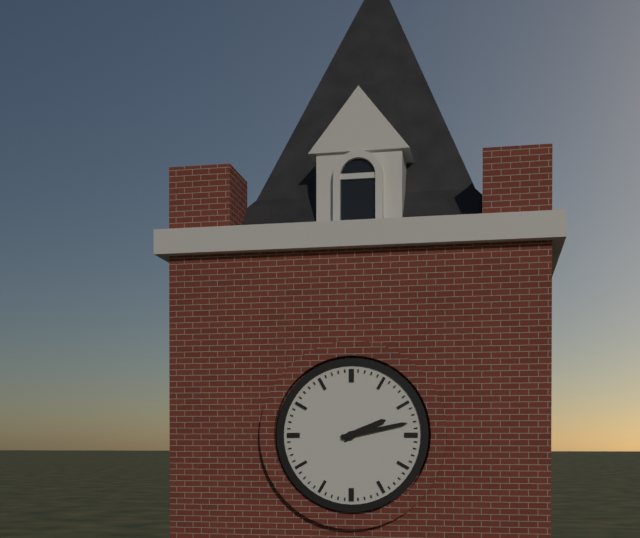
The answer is **2:13**
